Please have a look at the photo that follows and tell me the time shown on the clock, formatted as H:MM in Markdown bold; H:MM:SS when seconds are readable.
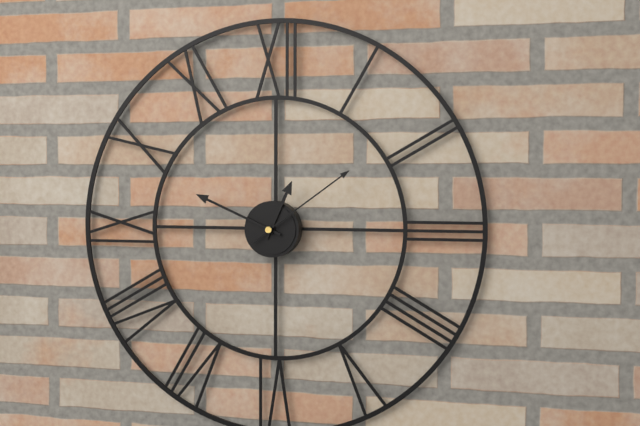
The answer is **12:49:09**
